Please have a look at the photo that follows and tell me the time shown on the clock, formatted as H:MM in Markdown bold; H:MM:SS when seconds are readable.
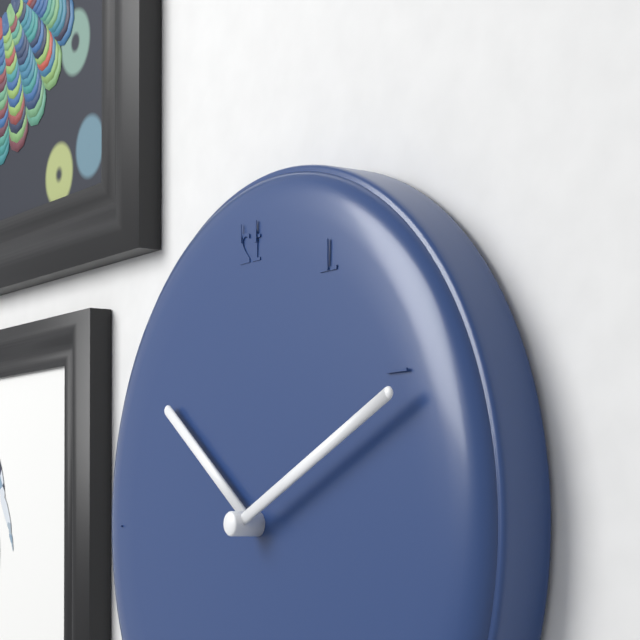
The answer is **10:11**
